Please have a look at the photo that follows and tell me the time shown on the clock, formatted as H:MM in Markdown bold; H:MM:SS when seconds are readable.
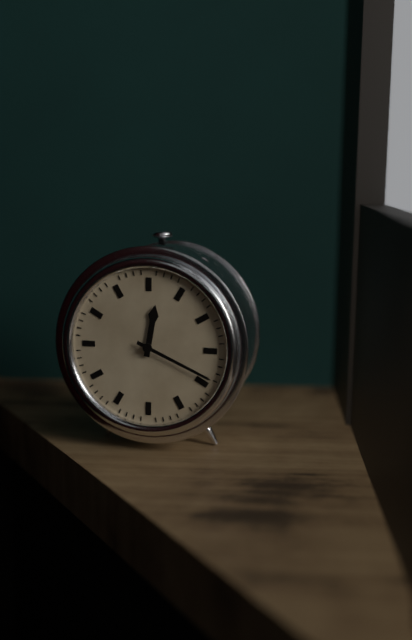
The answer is **12:19**
